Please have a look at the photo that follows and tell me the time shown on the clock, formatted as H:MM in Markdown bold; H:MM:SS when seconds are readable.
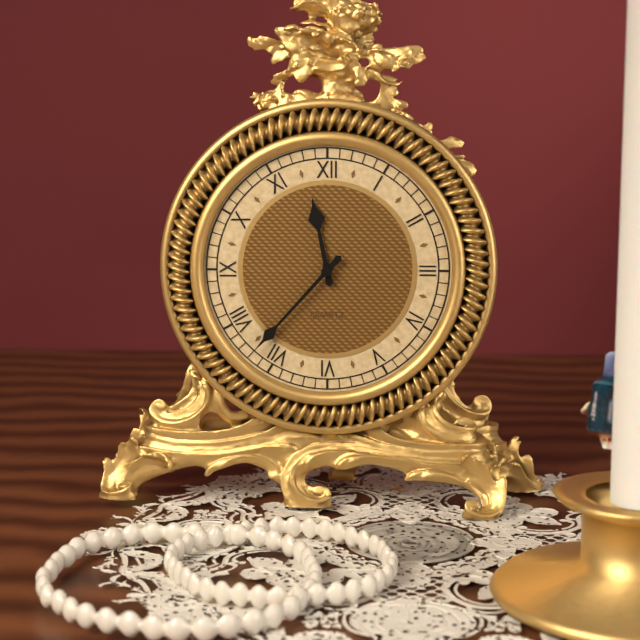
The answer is **11:37**
